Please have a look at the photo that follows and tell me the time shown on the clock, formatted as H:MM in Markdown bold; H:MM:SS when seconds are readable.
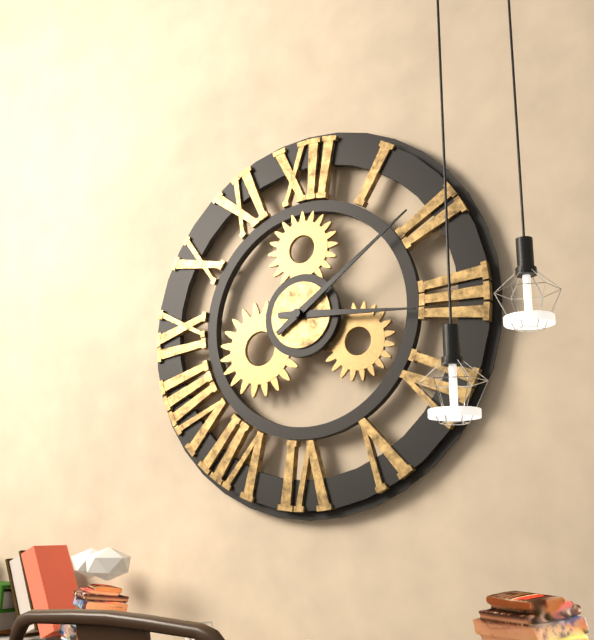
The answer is **3:09**
